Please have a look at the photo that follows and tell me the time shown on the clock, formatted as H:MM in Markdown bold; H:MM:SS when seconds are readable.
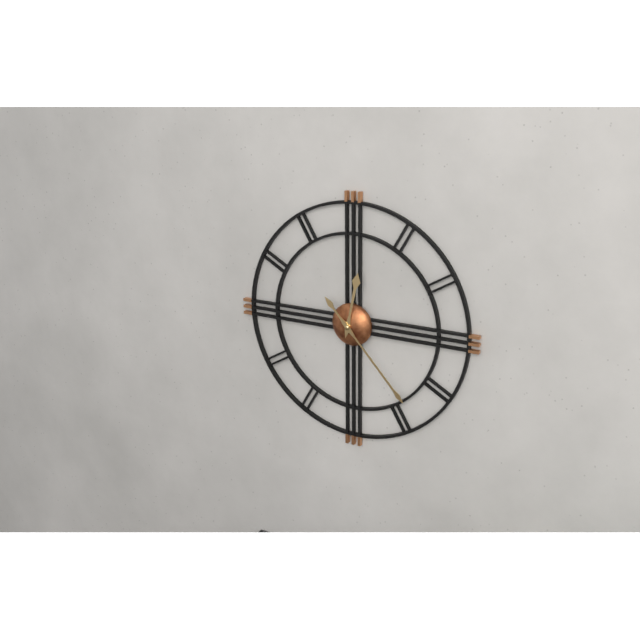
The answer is **12:23**
